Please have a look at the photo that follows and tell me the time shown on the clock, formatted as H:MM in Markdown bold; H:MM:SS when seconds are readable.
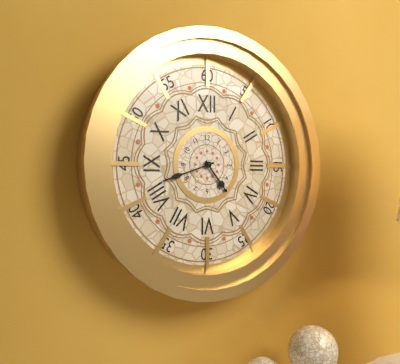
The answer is **4:42**
